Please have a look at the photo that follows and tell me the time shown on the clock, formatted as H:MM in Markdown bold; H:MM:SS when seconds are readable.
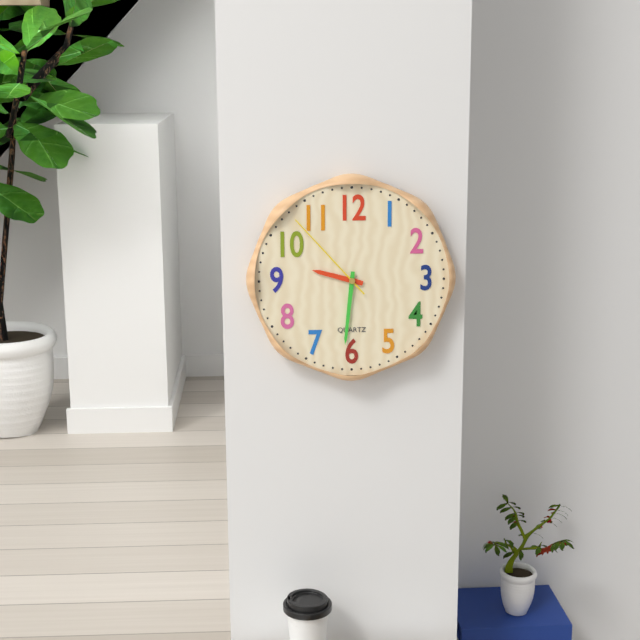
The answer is **9:31:53**
